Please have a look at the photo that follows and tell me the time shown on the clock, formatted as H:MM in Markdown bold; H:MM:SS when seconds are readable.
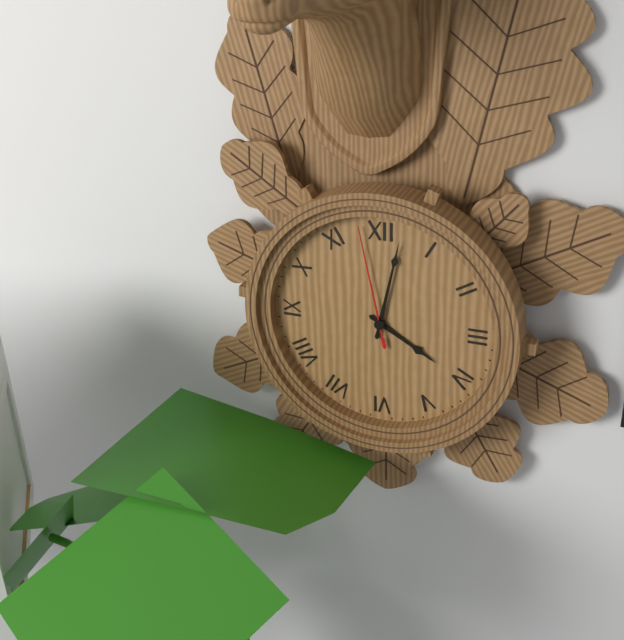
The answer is **4:02:58**
